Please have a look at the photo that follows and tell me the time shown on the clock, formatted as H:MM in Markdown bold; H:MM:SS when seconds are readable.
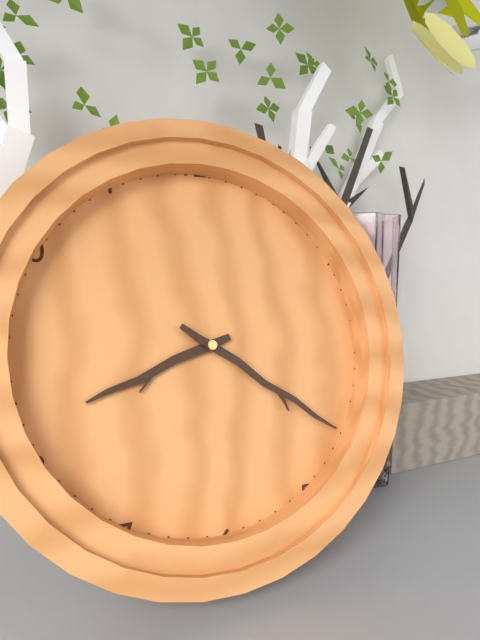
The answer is **8:21**
